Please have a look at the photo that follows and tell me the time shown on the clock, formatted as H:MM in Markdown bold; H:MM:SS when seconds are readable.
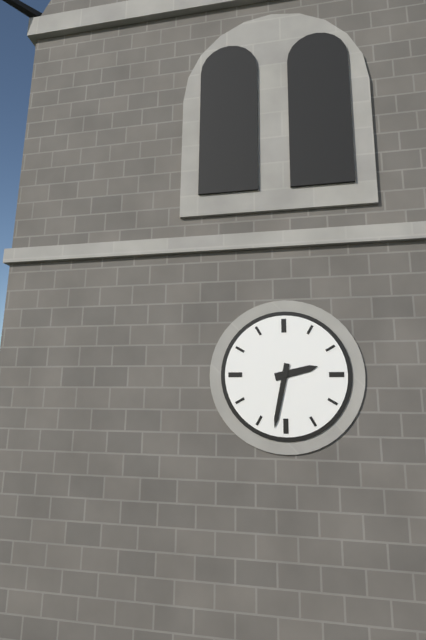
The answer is **2:32**
